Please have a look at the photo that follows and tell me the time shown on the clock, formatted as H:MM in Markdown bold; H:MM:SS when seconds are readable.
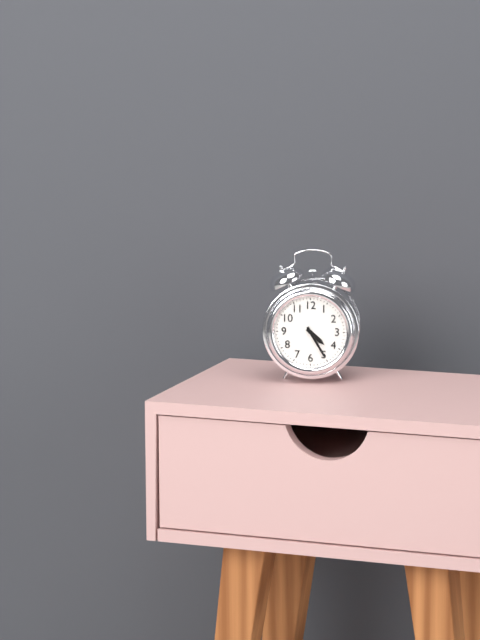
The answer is **4:25**
